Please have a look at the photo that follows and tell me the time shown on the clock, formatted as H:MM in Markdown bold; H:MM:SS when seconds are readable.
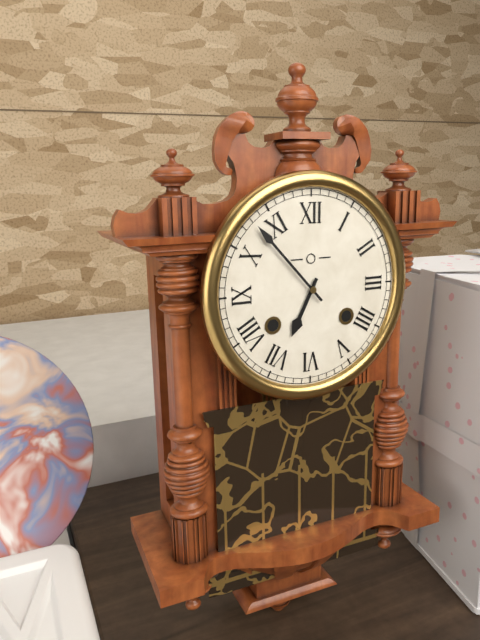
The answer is **6:53**
